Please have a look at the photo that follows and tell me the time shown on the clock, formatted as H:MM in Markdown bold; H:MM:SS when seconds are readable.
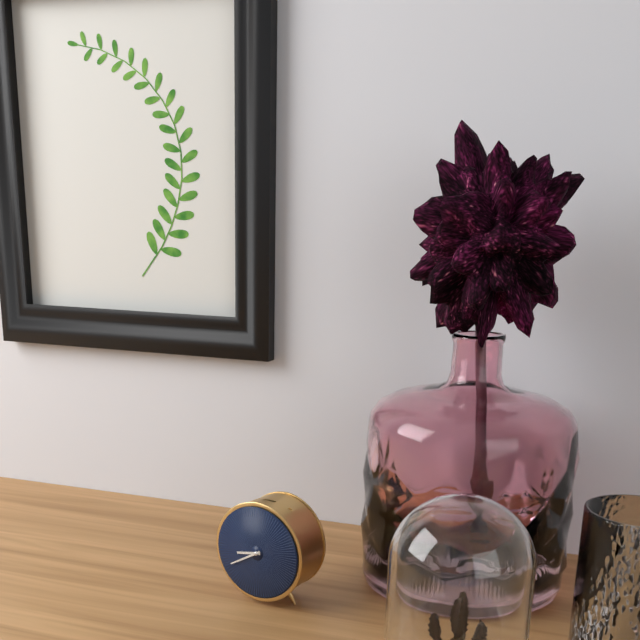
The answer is **8:40**
